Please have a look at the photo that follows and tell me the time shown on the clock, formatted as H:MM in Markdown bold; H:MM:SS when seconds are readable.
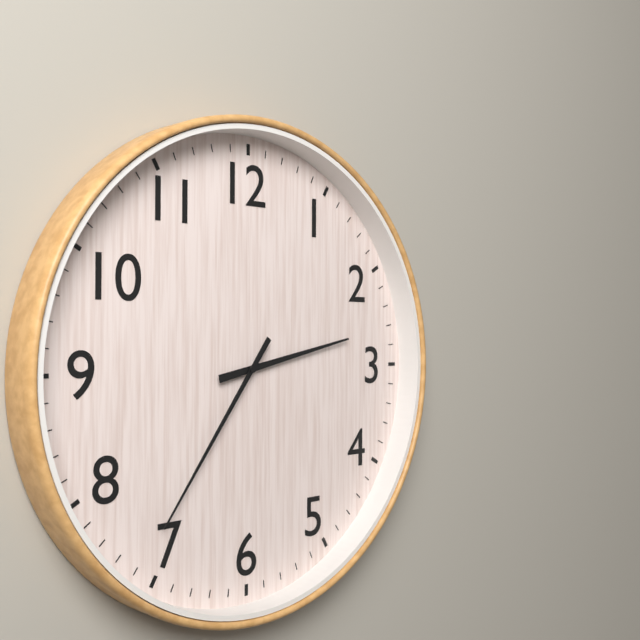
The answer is **2:36**
